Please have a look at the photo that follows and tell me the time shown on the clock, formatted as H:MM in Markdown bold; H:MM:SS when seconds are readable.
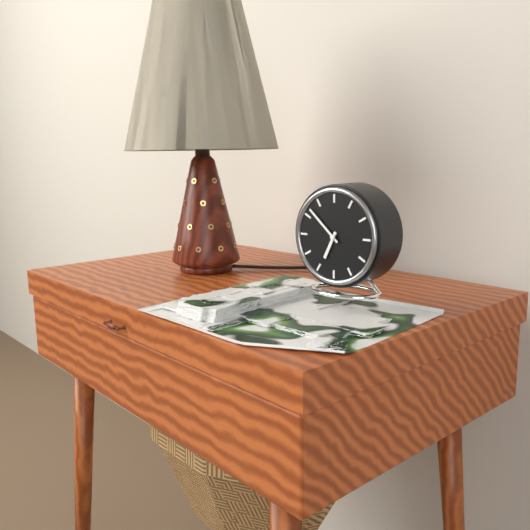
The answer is **6:52**
